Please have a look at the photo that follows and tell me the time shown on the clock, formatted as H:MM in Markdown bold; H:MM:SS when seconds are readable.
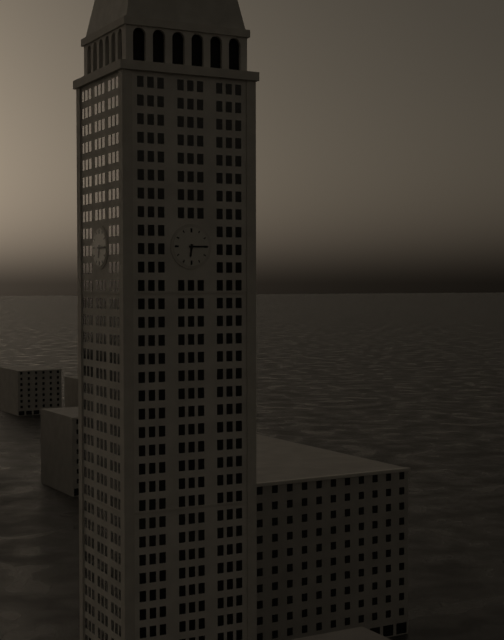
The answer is **6:15**
